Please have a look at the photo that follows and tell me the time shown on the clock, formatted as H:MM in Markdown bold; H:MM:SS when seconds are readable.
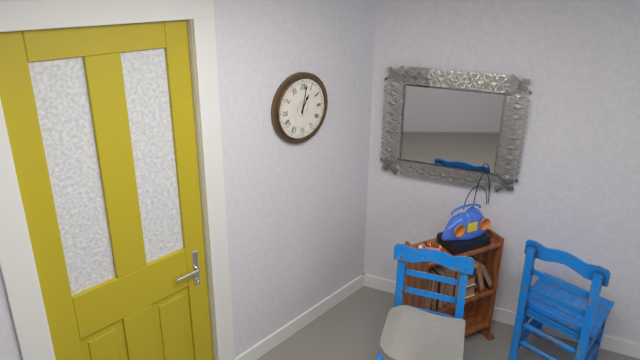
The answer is **1:02**
